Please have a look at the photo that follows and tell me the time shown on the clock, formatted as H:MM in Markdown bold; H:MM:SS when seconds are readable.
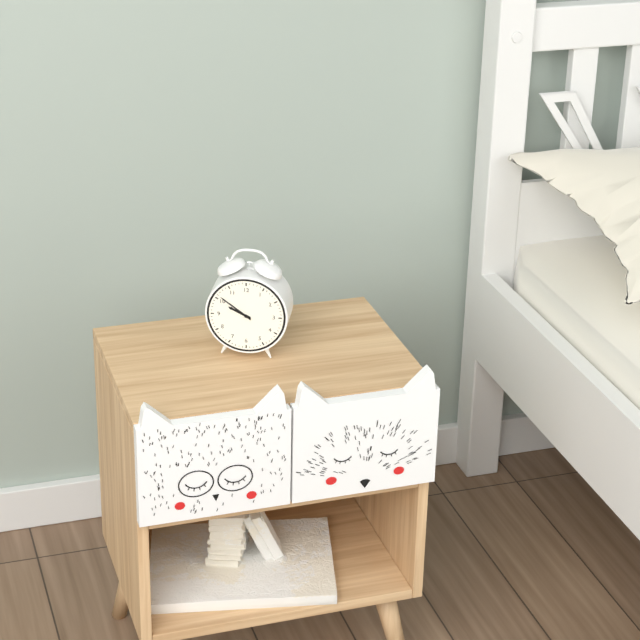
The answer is **9:51**
